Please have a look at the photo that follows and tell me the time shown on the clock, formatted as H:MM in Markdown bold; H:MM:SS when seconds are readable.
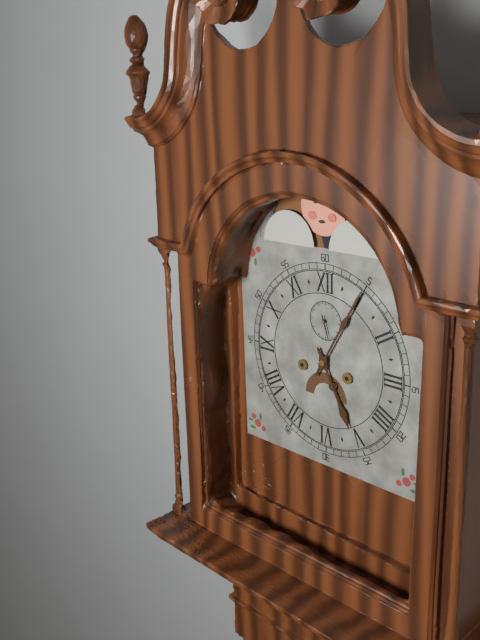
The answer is **5:05**
